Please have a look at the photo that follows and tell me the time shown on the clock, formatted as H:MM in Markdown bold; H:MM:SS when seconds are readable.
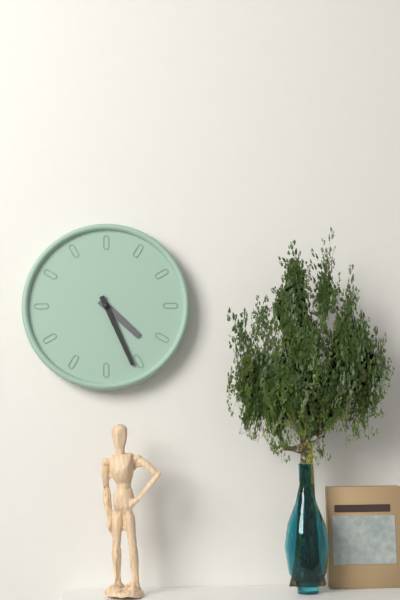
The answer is **4:26**
